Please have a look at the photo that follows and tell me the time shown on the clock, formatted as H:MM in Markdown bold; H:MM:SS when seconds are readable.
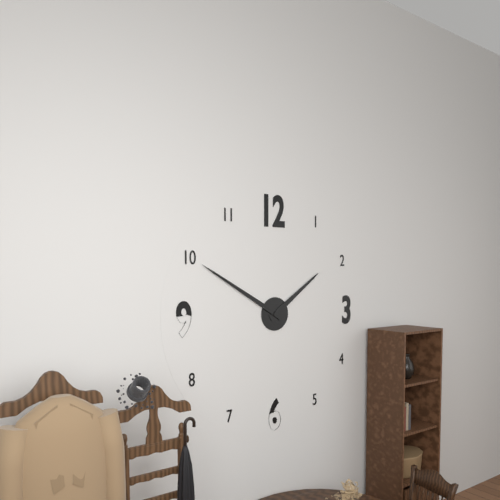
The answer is **1:50**
